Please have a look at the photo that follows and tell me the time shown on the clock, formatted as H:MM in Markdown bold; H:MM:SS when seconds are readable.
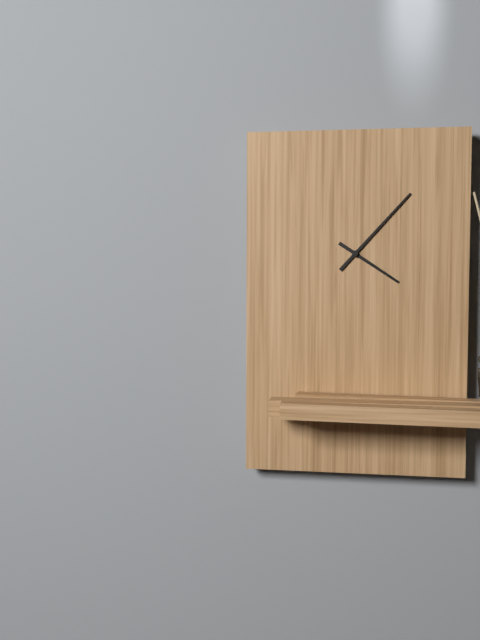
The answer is **4:07**
